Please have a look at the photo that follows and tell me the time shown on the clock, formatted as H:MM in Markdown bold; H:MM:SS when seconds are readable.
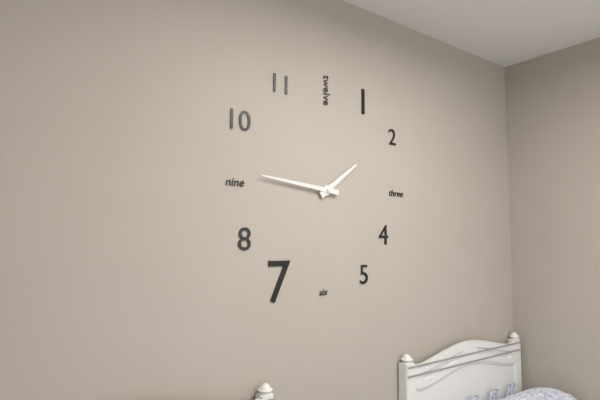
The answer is **1:46**
